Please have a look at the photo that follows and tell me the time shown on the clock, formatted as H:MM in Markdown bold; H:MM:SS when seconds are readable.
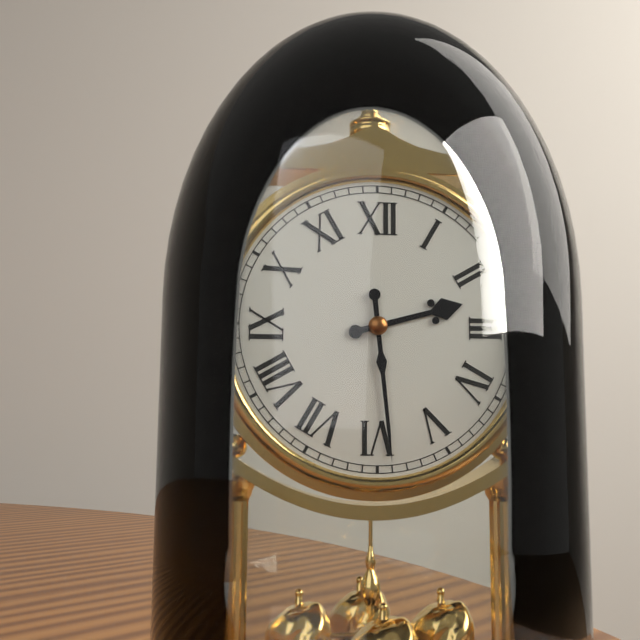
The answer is **2:29**
